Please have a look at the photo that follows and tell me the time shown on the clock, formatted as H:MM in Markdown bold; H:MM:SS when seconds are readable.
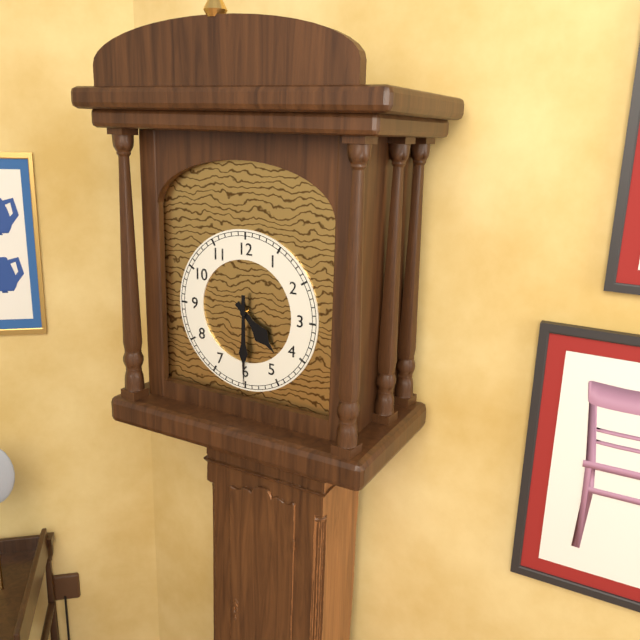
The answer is **4:30**
